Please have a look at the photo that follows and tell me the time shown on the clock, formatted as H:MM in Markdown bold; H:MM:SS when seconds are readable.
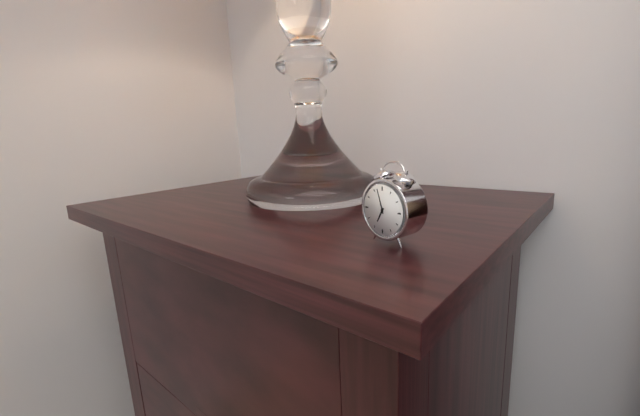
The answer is **6:57**
